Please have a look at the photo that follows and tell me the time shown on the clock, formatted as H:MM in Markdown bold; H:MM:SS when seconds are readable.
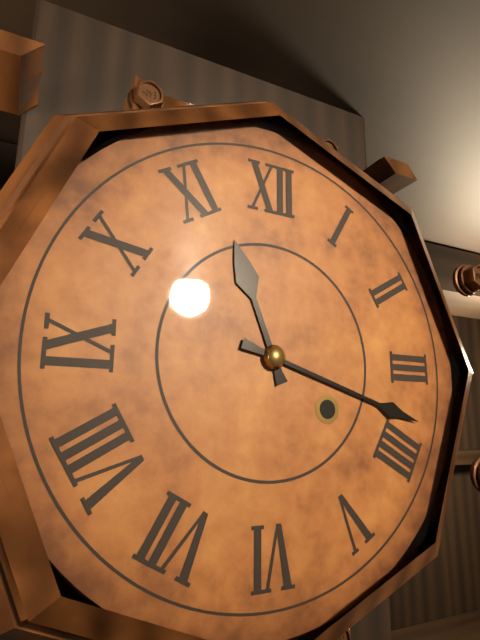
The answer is **11:18**
